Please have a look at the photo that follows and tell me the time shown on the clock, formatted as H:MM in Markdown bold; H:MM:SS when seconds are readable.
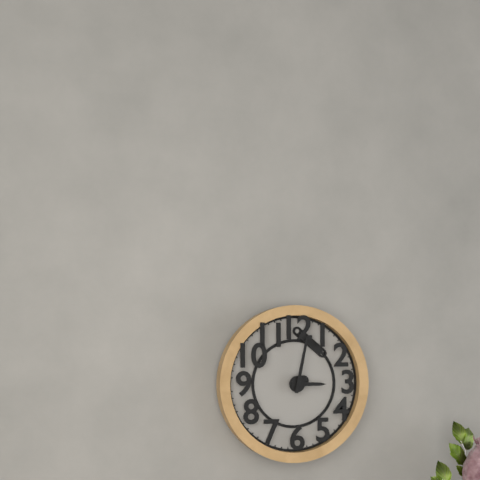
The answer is **3:02**
